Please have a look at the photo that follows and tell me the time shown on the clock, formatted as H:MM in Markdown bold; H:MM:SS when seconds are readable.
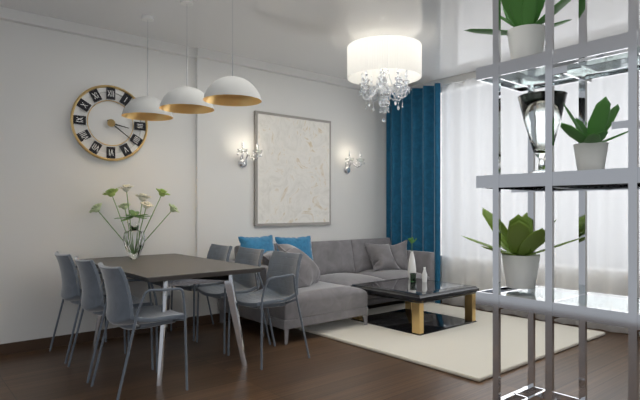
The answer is **3:21**
